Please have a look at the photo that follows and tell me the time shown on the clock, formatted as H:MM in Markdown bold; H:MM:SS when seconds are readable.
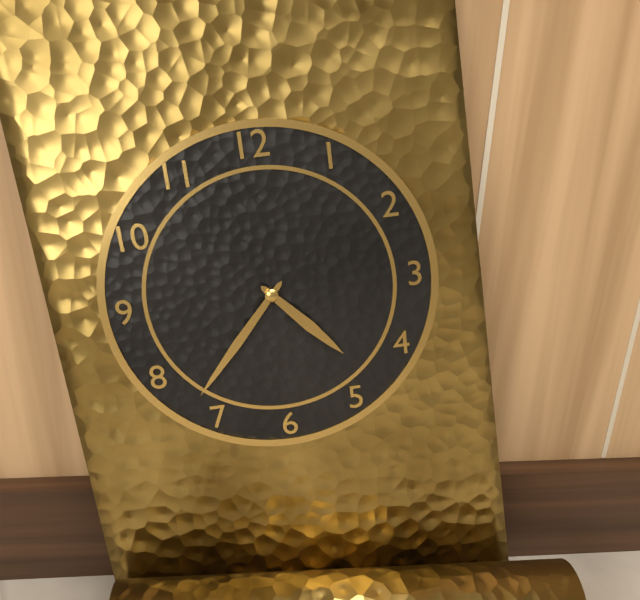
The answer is **4:37**
